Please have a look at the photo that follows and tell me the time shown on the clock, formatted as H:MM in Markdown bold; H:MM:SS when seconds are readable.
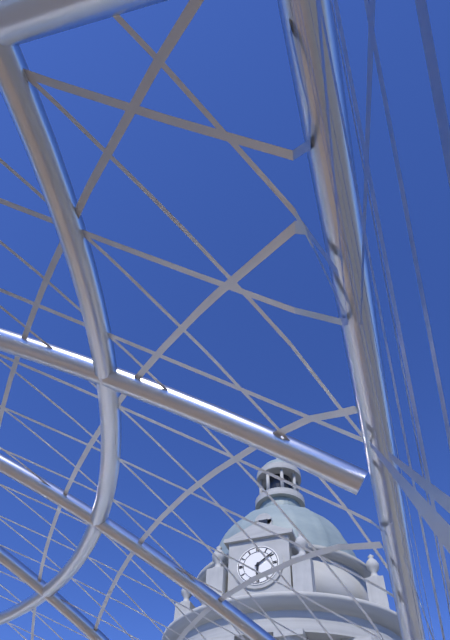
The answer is **6:09**
